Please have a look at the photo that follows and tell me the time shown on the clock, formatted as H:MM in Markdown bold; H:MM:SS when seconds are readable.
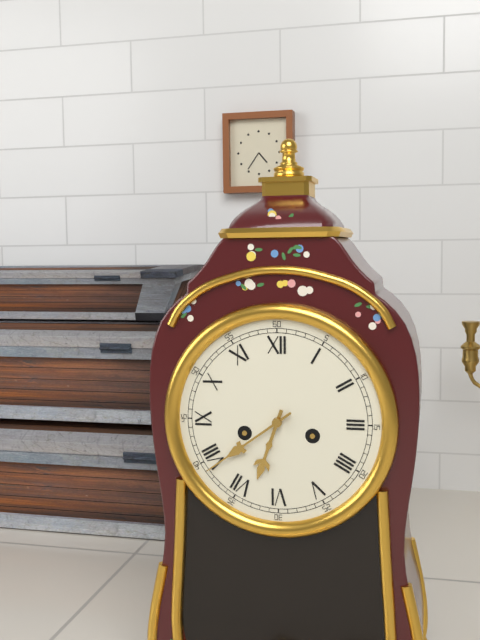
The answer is **6:39**
